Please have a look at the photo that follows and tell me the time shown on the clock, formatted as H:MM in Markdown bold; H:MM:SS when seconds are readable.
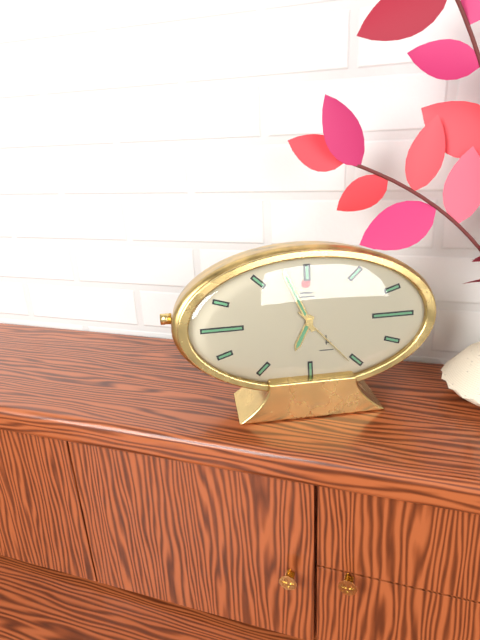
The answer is **6:56:23**
